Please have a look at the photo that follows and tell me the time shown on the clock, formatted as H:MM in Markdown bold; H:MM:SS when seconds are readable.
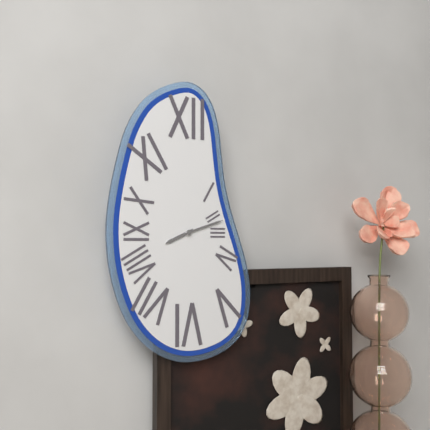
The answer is **8:12**
